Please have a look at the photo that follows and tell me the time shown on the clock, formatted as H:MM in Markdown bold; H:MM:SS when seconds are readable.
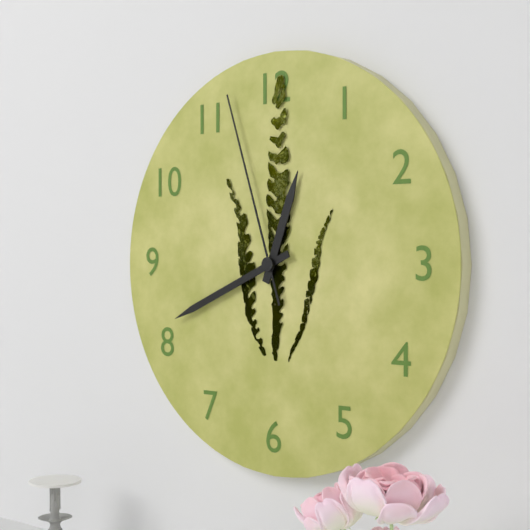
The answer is **12:41:57**
